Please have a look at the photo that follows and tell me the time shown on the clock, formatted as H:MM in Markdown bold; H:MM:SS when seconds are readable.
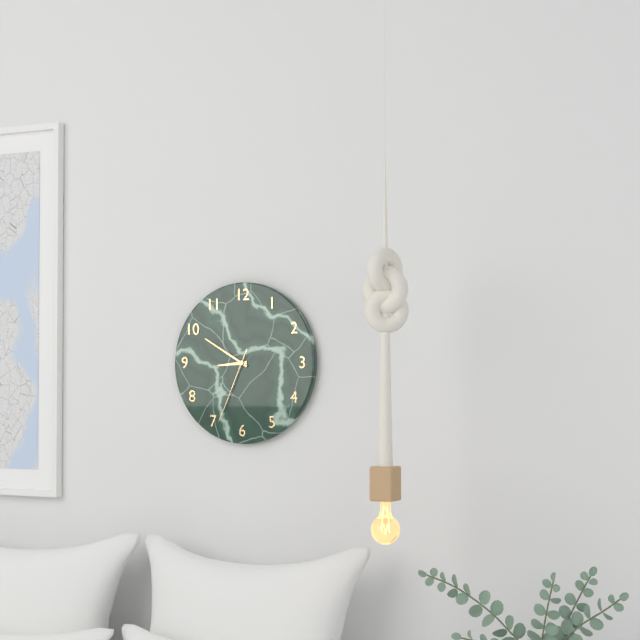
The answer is **8:50:34**
